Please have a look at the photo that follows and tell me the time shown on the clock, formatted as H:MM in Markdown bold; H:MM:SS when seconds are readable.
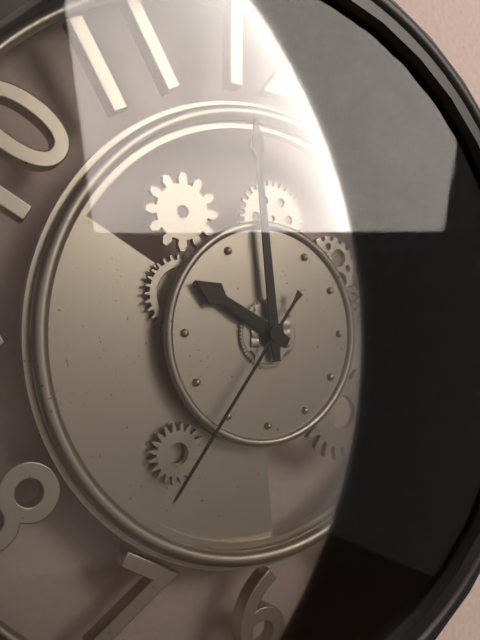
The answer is **9:59:36**
